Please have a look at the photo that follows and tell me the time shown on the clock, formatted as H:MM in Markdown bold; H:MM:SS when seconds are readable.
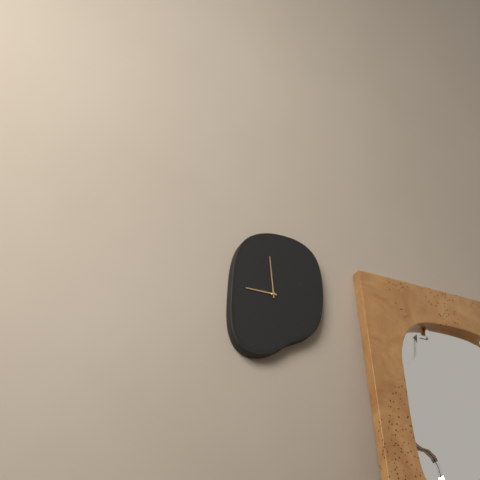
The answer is **8:59**
